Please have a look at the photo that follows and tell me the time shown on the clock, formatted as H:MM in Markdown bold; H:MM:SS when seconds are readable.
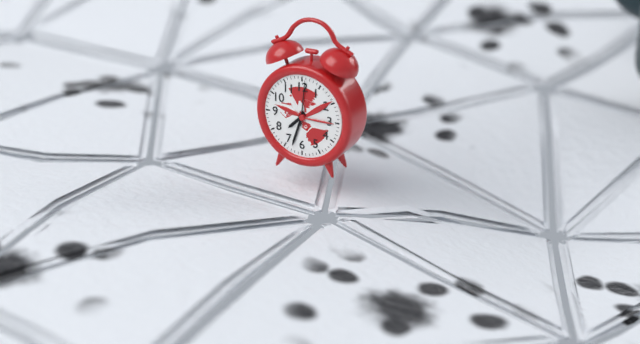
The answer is **7:33**
